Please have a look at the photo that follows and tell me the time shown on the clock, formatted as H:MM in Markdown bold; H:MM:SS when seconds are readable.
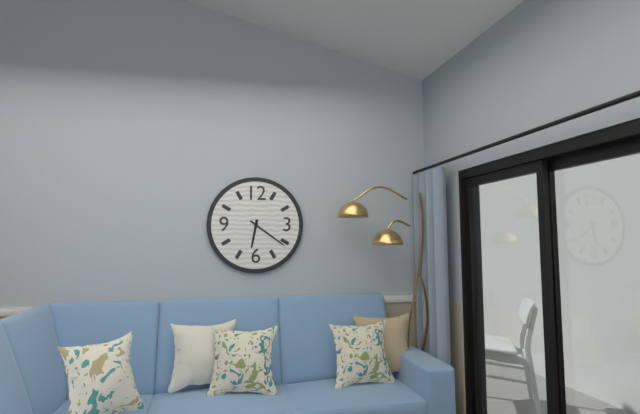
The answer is **6:21**
